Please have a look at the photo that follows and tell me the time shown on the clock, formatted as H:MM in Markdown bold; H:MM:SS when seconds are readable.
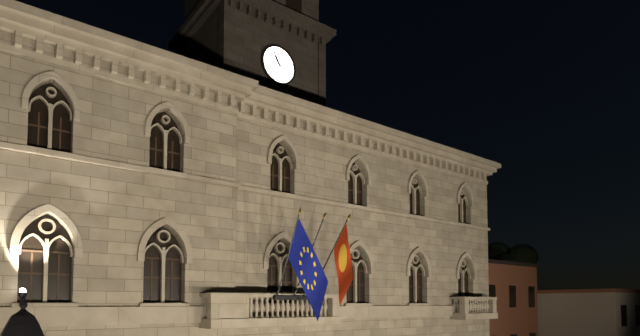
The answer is **10:55**
